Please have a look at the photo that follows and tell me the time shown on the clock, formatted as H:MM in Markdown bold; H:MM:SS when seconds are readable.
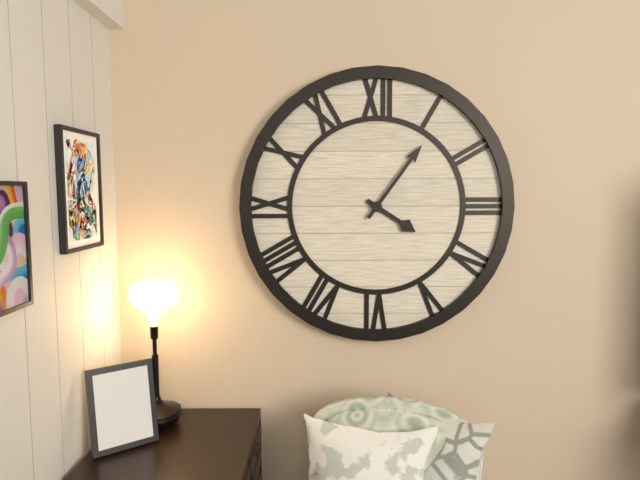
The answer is **4:06**
